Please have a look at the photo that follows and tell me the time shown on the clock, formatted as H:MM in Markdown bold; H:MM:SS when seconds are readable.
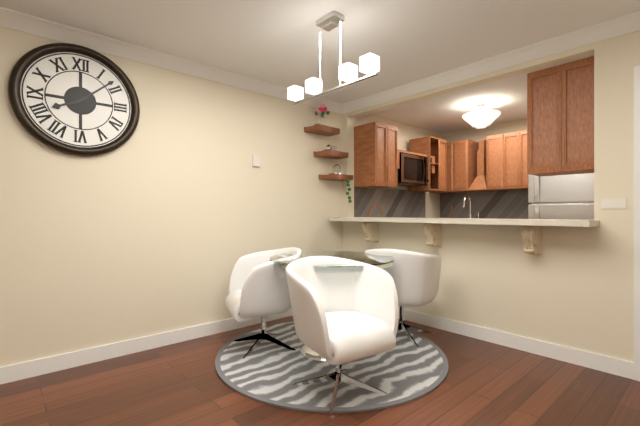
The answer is **8:08**
